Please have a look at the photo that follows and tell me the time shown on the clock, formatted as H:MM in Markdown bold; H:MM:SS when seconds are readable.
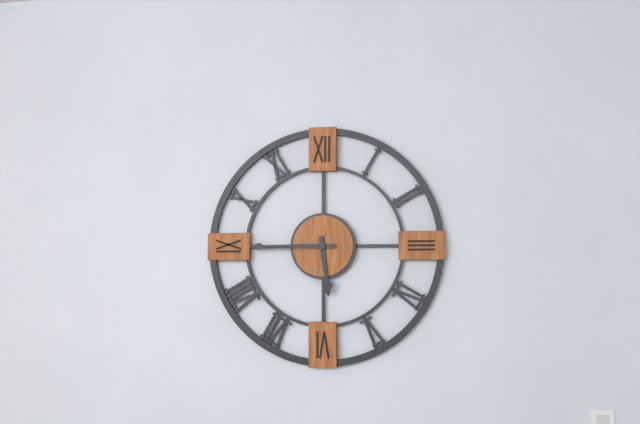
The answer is **5:45**
